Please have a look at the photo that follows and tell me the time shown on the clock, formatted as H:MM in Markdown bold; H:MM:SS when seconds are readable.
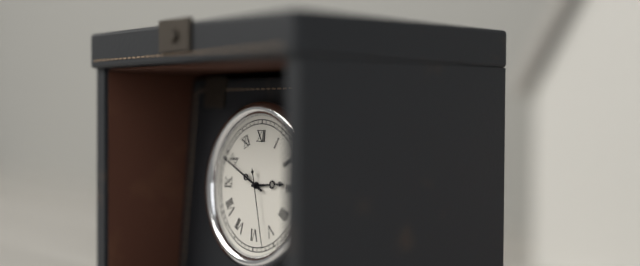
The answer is **2:49:27**
